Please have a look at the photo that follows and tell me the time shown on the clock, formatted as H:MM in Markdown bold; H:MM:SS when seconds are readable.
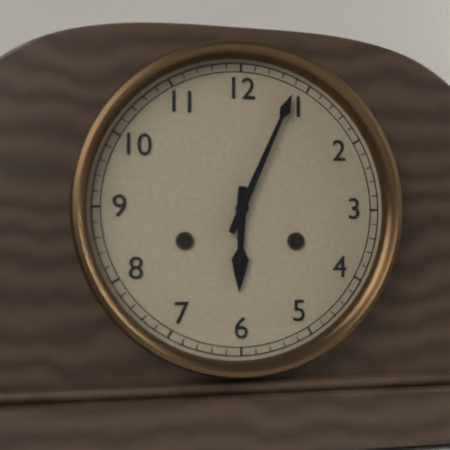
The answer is **6:04**
